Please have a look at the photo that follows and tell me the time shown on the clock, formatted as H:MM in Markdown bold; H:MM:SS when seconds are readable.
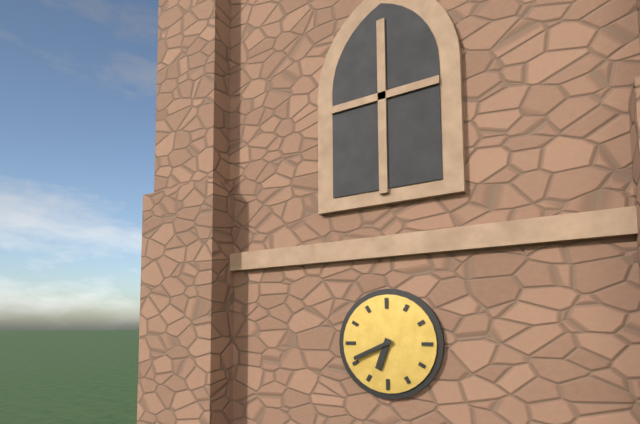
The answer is **6:41**
